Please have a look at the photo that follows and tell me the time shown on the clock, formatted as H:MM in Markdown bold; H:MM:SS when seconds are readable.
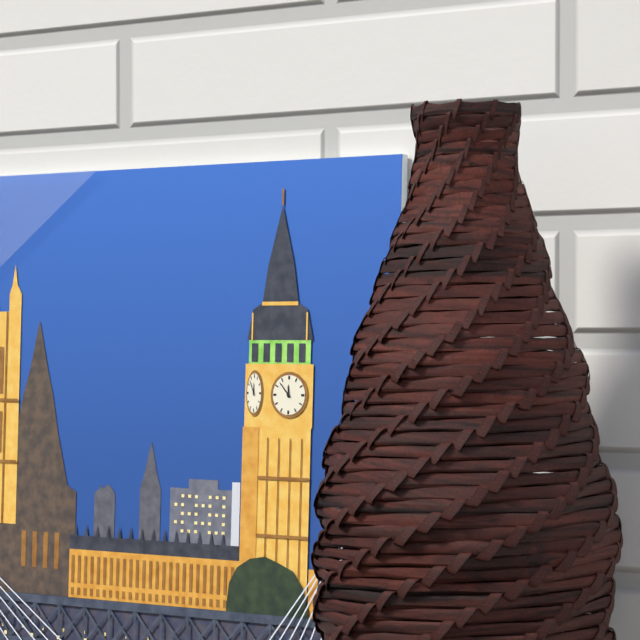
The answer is **11:53**
